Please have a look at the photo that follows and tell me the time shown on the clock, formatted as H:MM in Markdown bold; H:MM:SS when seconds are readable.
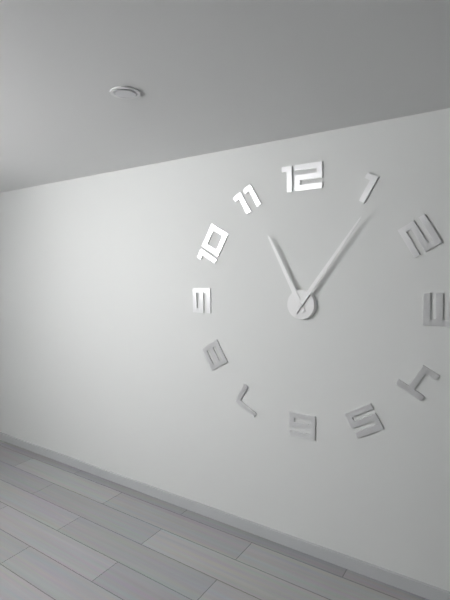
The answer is **11:06**
